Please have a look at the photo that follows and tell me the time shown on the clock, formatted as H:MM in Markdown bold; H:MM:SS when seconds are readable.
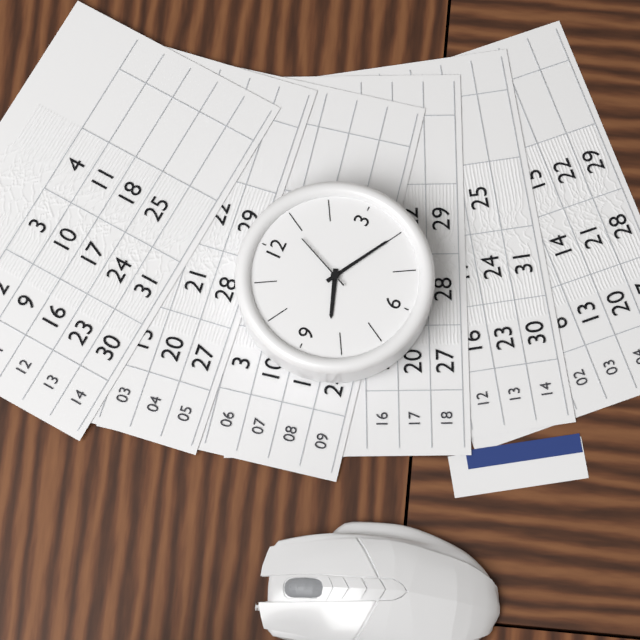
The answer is **8:20:04**
